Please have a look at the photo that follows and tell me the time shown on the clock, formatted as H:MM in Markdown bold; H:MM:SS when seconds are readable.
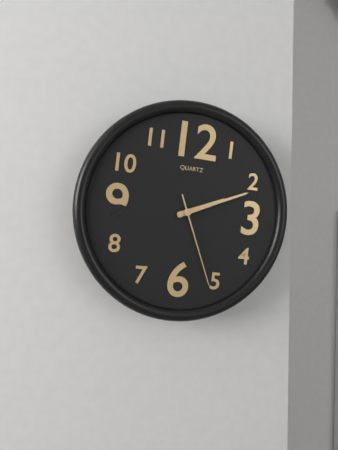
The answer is **2:11:26**
